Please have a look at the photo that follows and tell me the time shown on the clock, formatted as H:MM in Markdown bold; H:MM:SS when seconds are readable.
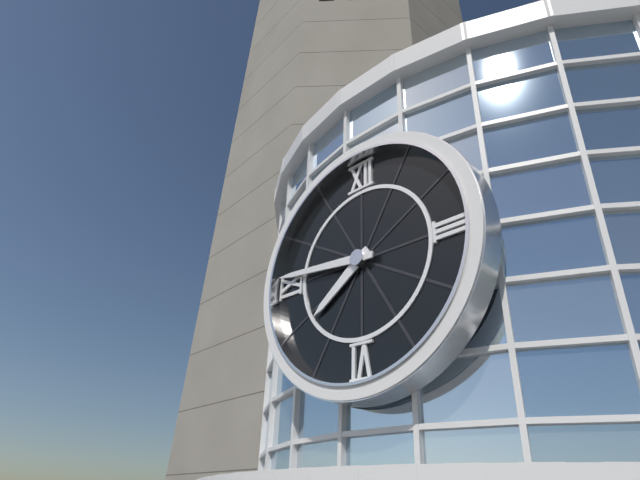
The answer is **7:46**
